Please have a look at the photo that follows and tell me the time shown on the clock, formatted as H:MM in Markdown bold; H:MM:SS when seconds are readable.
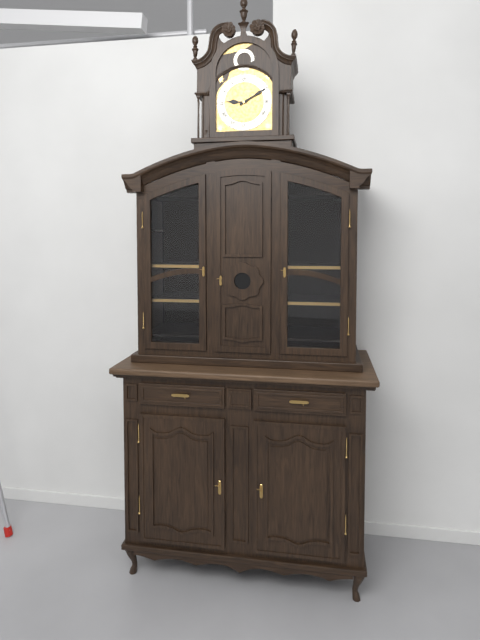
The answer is **9:10**
